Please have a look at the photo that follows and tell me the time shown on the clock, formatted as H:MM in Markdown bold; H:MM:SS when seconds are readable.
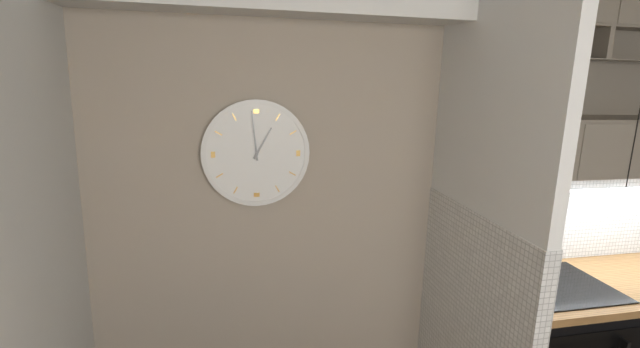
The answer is **12:59**
